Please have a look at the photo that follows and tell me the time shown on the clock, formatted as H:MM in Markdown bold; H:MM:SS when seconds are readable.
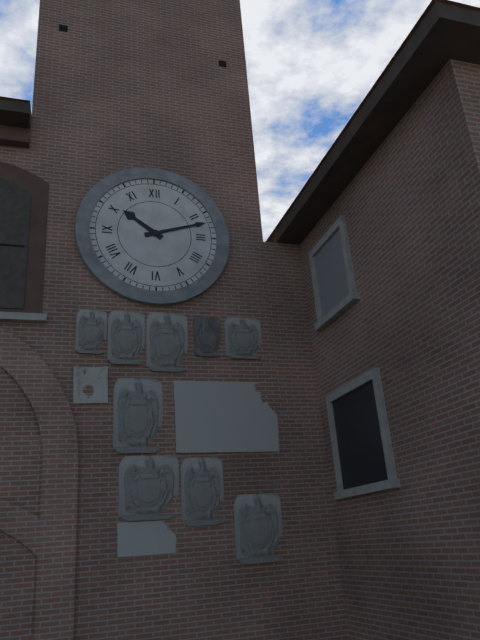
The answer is **10:12**
